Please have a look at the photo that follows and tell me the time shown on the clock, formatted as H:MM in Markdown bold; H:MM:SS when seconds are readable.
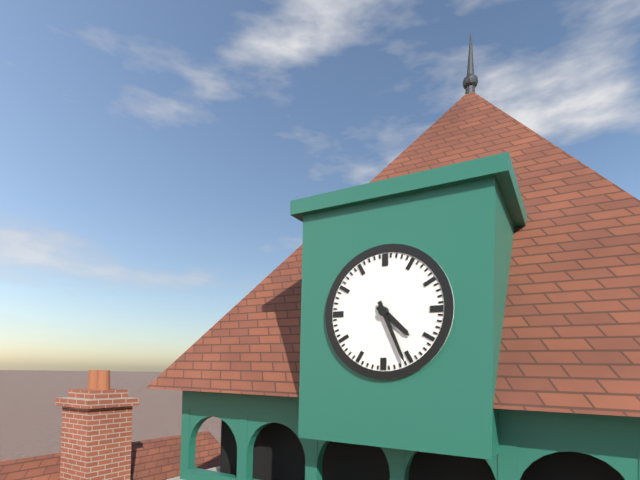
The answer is **4:26**
